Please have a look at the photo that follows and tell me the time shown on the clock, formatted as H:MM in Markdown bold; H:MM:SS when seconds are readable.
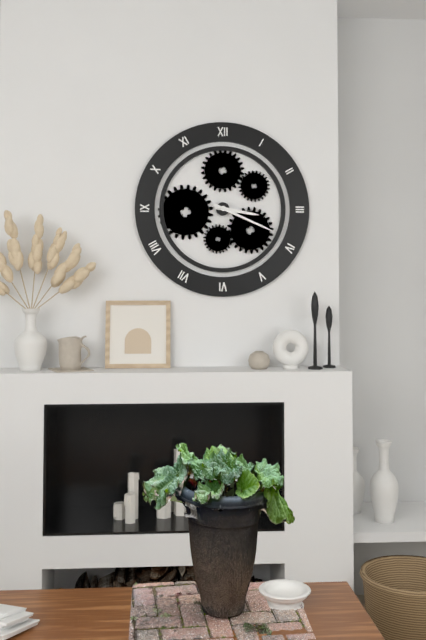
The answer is **3:19**
